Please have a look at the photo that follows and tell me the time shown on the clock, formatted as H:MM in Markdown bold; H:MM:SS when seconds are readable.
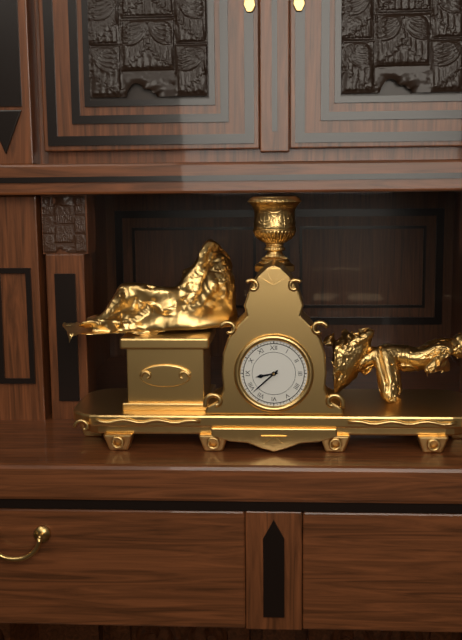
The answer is **8:38**
